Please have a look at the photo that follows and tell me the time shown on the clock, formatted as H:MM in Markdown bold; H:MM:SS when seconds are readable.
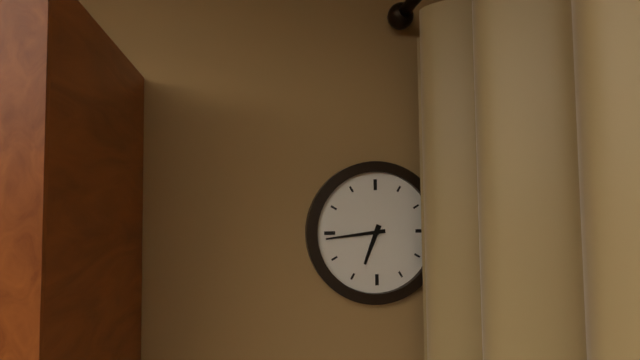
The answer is **6:44**
